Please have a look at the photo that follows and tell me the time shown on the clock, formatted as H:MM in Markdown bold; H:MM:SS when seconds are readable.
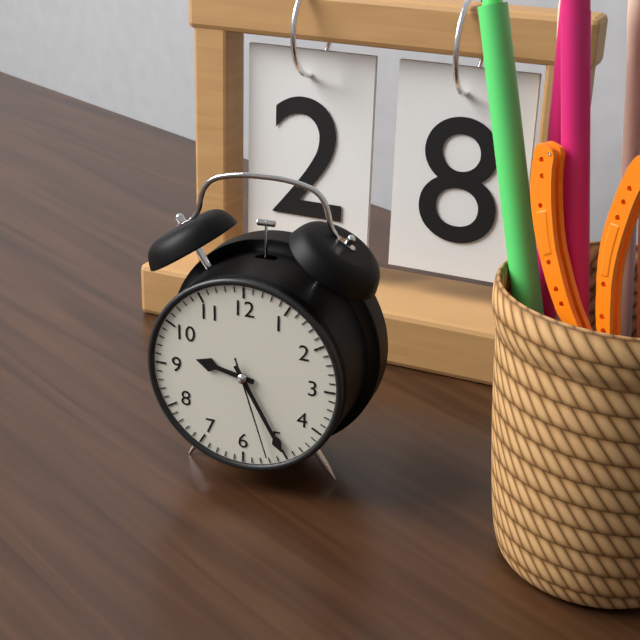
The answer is **9:25:27**
